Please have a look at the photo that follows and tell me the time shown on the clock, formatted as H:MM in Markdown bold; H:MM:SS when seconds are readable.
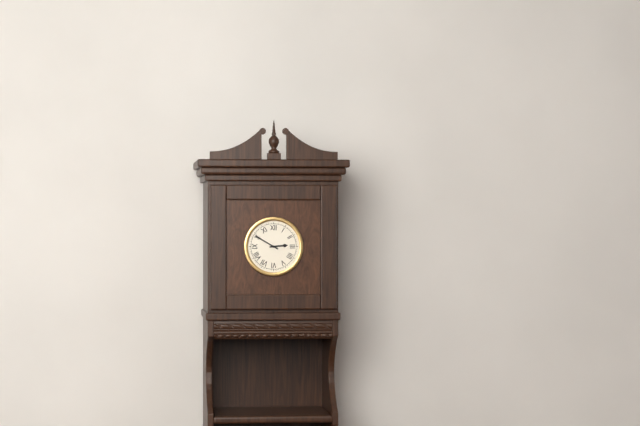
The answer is **2:50**
